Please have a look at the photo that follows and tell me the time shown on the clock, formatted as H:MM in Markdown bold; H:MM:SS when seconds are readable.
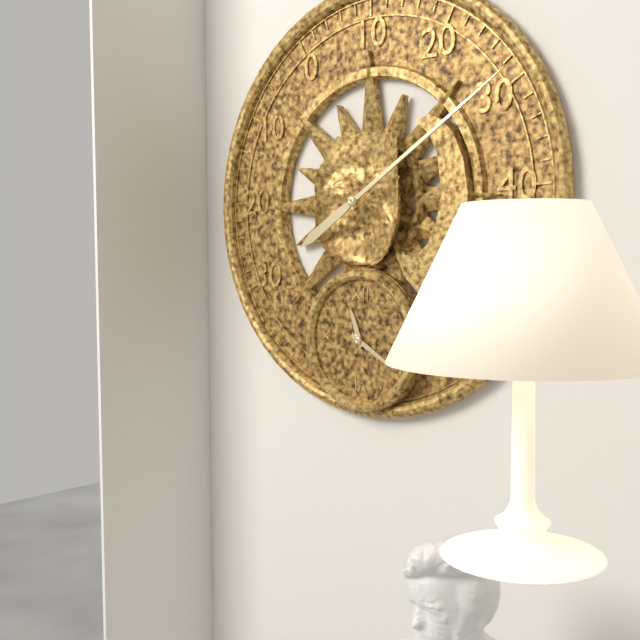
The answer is **11:20**
